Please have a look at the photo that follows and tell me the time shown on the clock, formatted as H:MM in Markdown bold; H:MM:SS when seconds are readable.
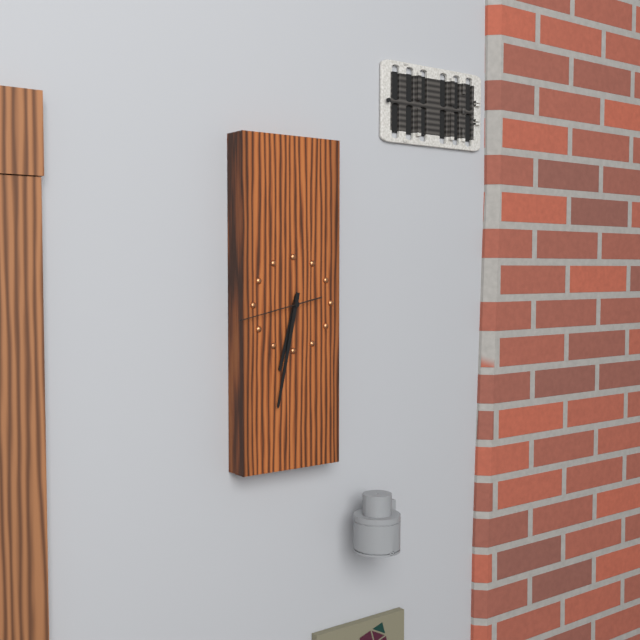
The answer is **6:32:43**
